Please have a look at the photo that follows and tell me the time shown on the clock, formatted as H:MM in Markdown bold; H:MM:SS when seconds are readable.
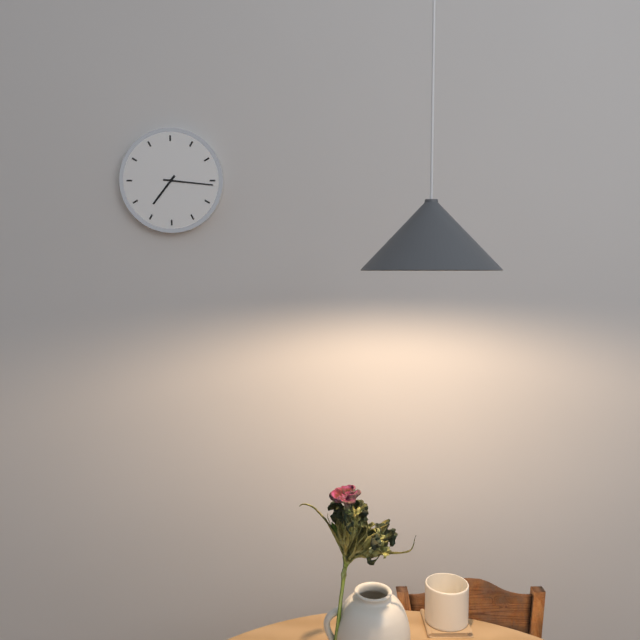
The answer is **7:16**
